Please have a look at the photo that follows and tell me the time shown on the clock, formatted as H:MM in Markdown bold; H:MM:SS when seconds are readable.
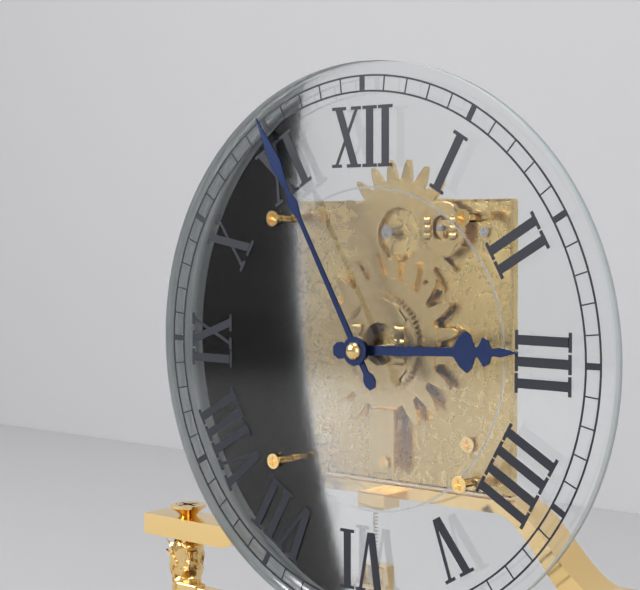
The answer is **2:55**
